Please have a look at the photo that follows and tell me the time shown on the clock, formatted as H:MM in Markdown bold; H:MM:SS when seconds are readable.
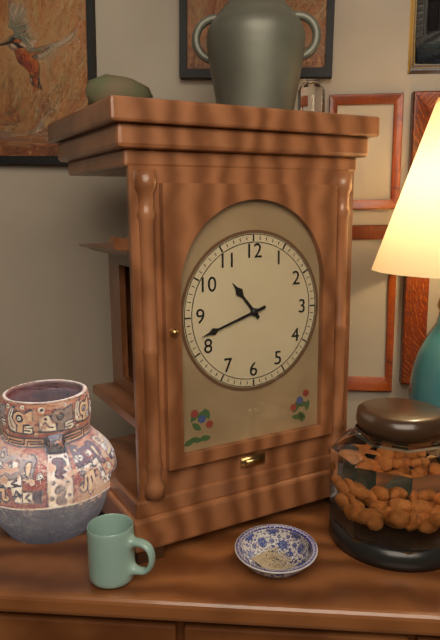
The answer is **10:42**
